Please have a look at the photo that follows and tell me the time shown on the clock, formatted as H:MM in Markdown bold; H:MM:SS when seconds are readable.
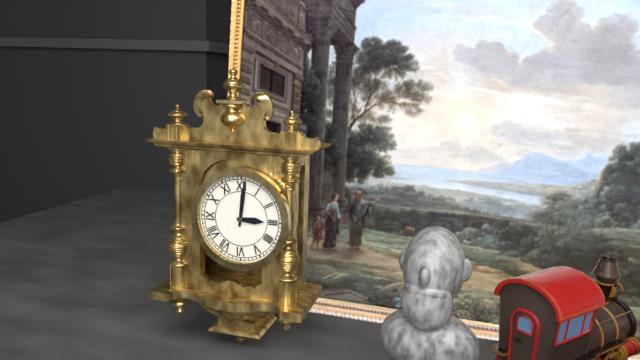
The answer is **3:01**
